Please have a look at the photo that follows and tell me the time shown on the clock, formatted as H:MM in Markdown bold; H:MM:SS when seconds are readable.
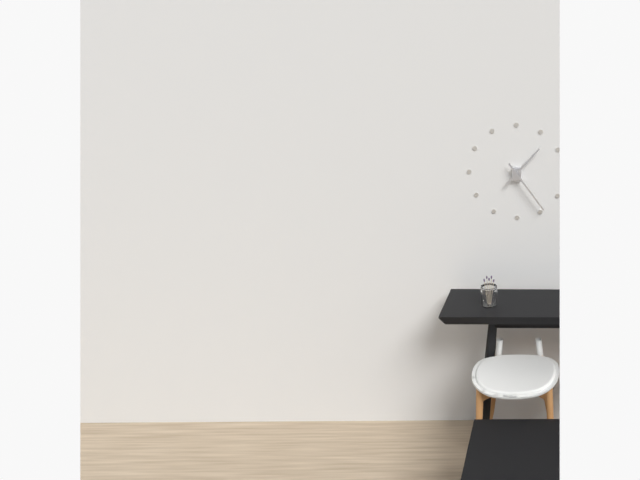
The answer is **1:24**
